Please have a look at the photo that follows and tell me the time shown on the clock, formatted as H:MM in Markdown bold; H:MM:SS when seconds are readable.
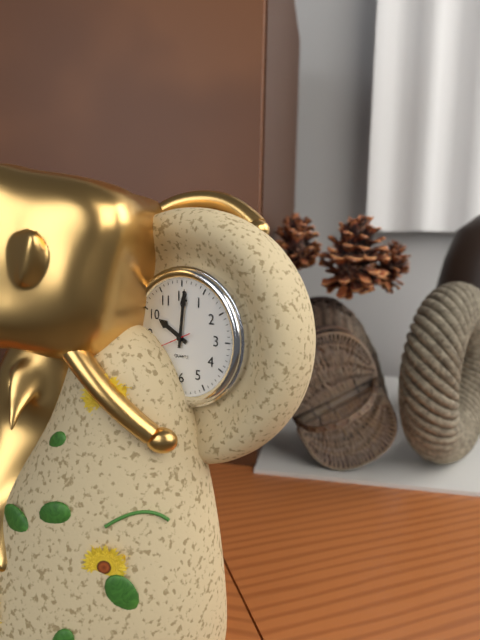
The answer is **10:01**
